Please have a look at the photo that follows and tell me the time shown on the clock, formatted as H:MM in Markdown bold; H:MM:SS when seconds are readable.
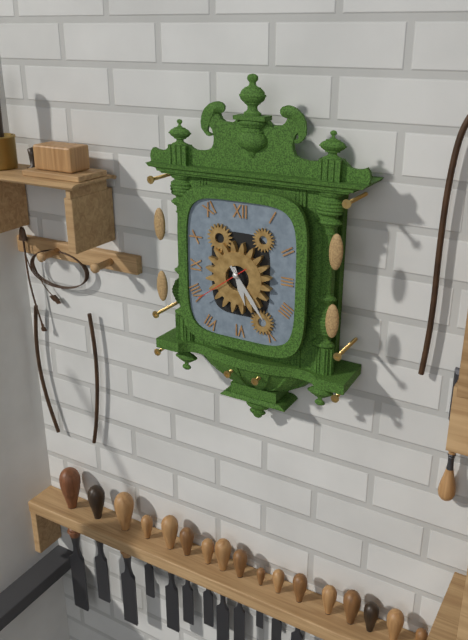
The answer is **5:24:39**
